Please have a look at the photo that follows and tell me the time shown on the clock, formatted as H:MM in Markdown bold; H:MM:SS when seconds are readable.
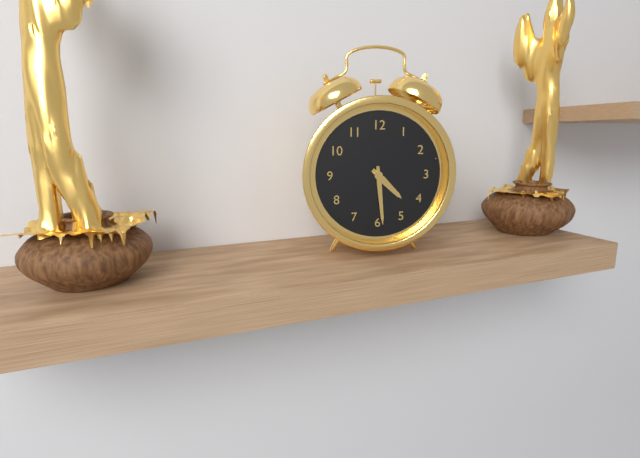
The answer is **4:29**
